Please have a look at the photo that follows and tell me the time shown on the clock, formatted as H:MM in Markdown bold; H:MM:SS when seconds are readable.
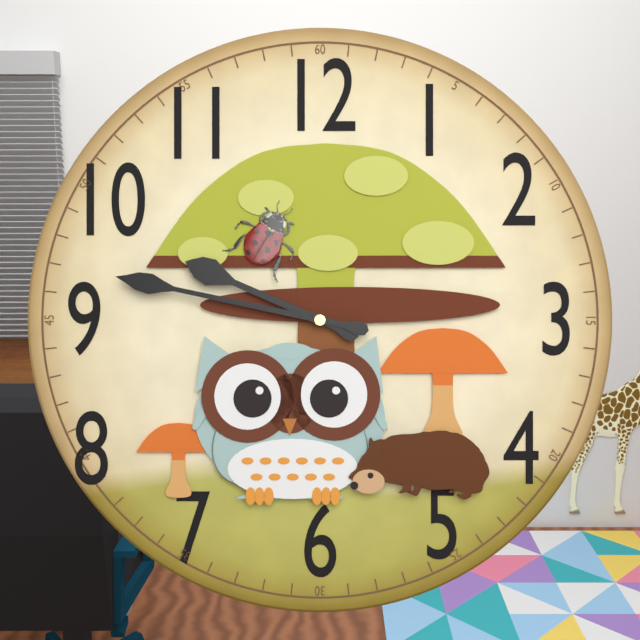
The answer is **9:47**
